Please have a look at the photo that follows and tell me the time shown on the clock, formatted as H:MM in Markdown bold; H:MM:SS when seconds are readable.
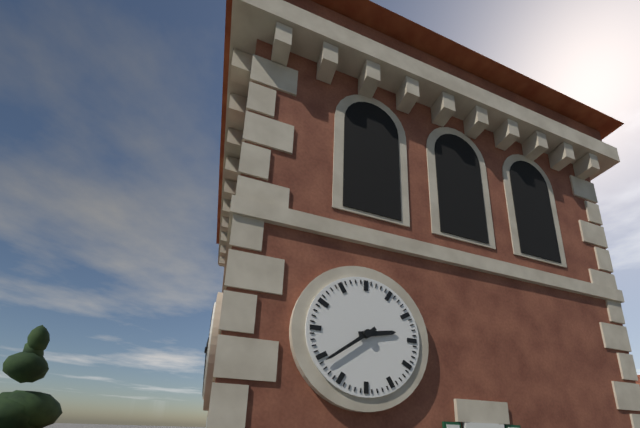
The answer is **2:39**
